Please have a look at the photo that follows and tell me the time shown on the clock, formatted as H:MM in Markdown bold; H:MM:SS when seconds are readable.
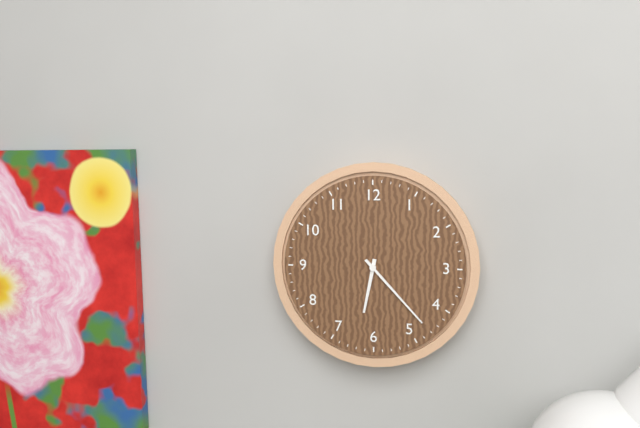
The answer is **6:23**
